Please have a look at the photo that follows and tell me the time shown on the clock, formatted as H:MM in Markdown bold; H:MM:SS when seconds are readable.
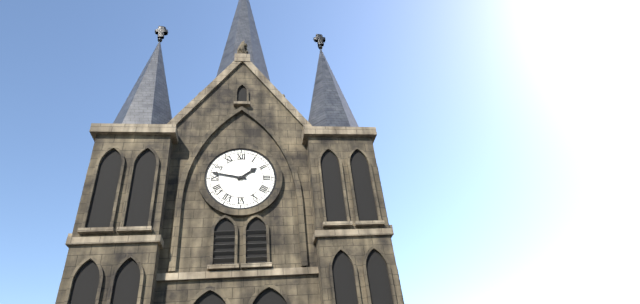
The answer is **1:47**
